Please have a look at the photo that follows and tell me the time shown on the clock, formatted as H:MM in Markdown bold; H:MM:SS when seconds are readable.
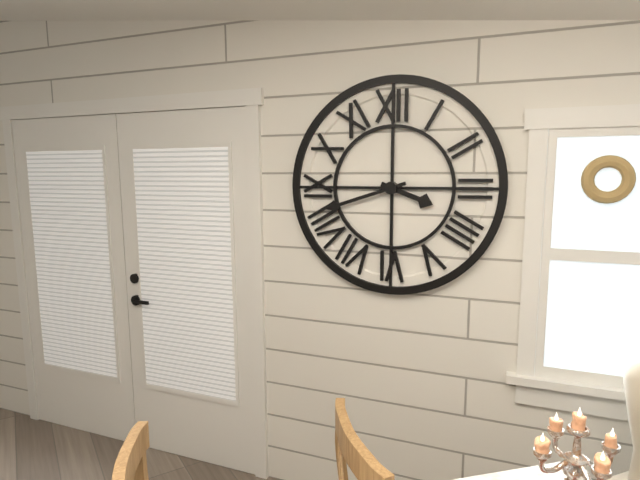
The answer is **3:42**
